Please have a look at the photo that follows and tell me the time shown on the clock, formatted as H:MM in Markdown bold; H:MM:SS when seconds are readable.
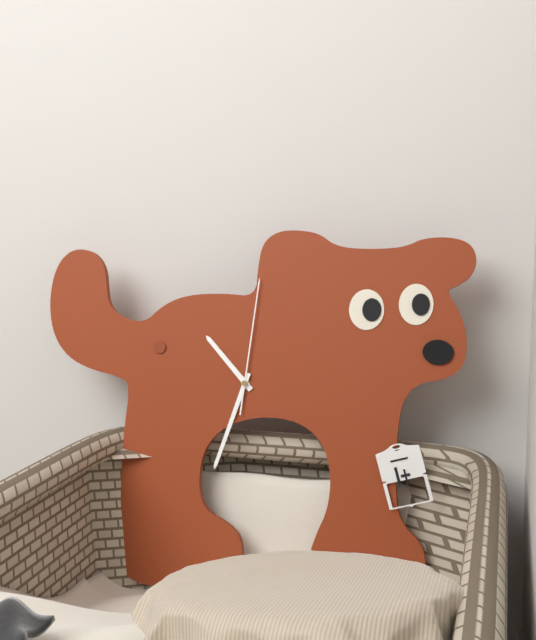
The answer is **10:33:01**
